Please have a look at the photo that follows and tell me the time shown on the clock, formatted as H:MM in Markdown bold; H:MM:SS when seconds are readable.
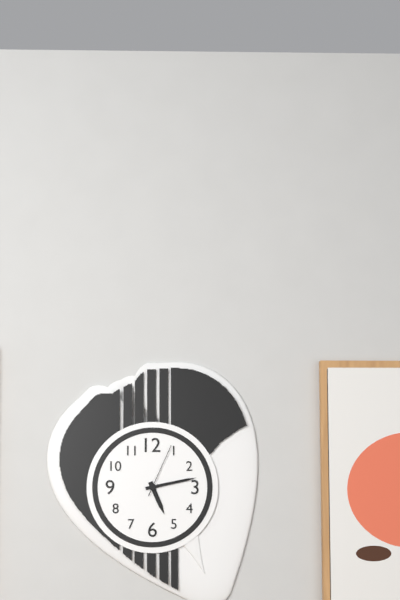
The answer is **5:13:04**
